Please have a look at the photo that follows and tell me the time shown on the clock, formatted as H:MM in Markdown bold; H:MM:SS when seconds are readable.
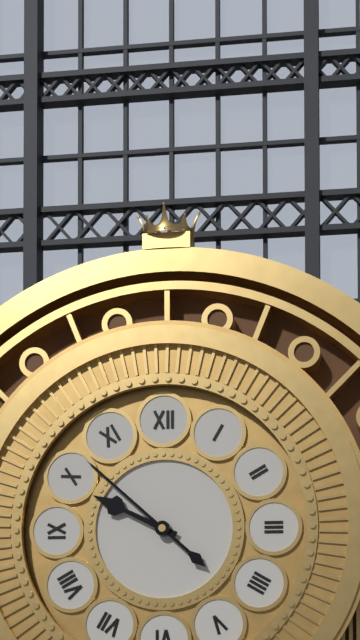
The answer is **9:52**
